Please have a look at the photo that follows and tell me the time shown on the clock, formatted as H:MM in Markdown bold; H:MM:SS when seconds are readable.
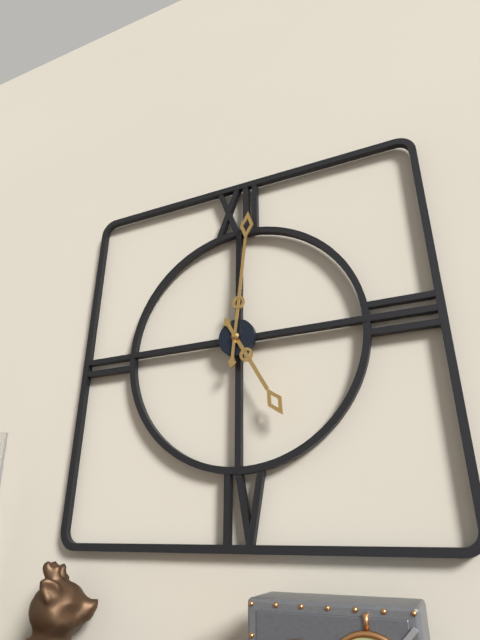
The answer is **5:01**
